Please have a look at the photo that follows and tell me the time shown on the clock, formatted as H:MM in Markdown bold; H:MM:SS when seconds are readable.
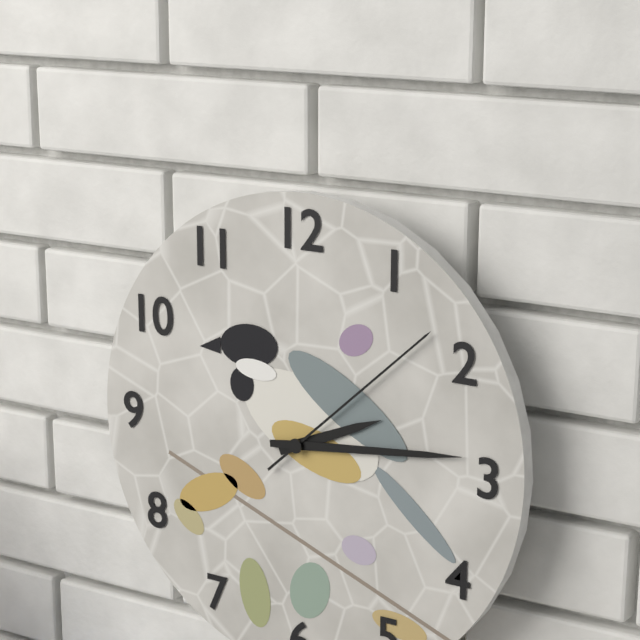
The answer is **2:14:08**
